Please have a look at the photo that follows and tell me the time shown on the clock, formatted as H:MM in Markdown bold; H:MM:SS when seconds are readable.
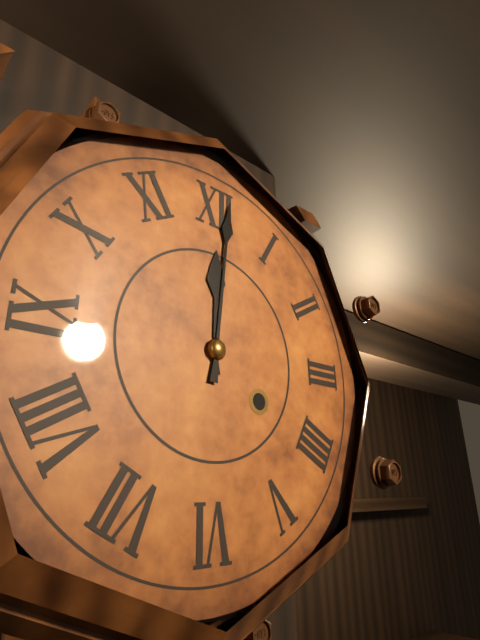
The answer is **12:01**
